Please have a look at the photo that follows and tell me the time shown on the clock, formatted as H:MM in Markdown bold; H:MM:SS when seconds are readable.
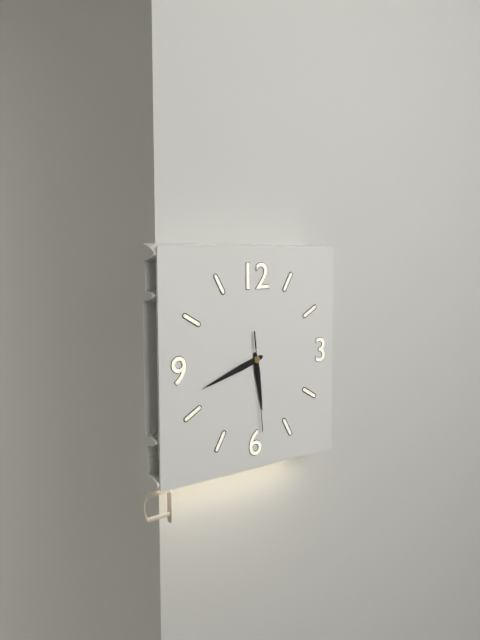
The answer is **5:42:29**
